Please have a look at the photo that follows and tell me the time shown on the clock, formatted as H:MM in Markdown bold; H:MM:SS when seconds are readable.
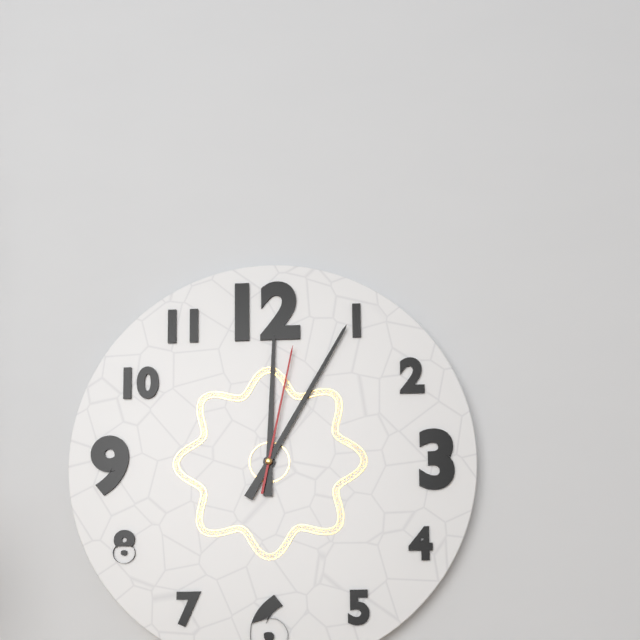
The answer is **12:05:02**
